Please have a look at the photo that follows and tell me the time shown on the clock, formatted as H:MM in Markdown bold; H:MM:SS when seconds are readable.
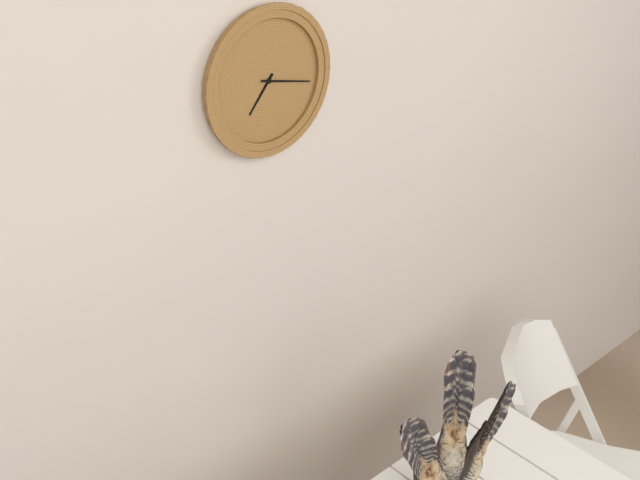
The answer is **7:17**
